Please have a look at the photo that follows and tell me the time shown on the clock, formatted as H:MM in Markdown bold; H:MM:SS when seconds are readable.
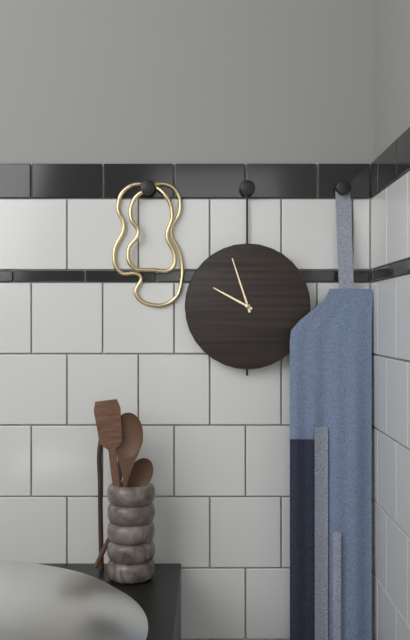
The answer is **9:57**
